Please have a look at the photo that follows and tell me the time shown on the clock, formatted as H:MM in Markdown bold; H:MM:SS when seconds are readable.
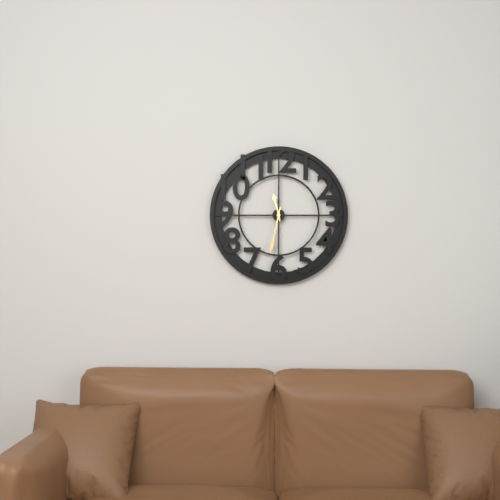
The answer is **11:32**
